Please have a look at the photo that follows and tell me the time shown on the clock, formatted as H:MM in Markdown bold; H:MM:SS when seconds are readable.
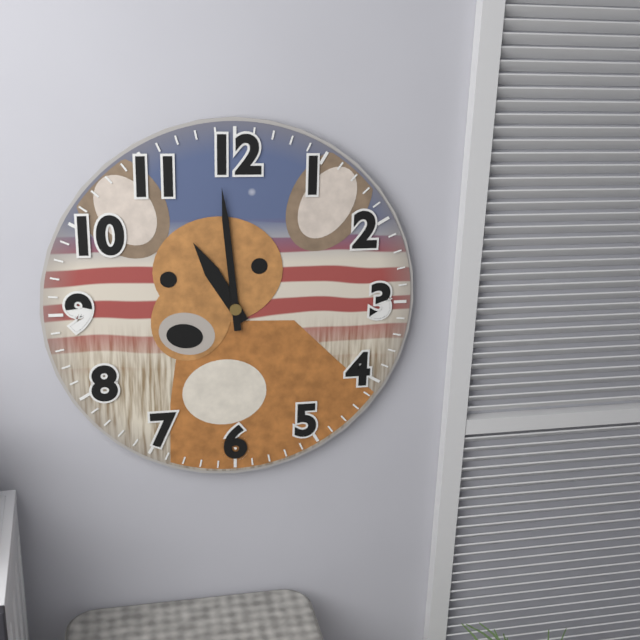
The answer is **10:59**
